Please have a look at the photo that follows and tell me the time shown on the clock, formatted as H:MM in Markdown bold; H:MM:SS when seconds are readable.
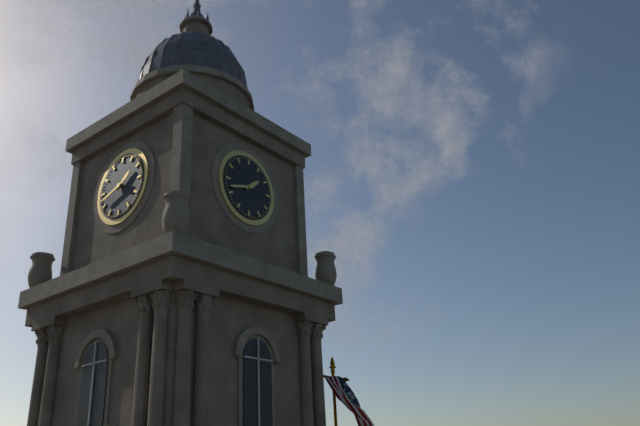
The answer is **1:42**
